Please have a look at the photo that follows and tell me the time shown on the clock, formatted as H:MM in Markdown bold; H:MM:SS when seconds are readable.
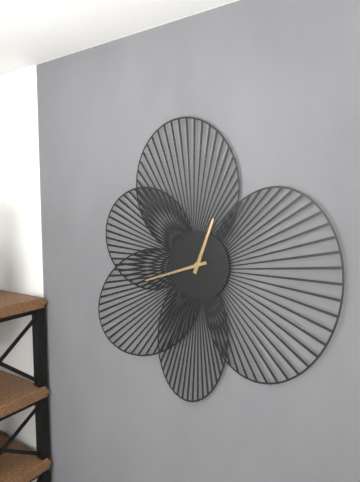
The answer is **12:42**
